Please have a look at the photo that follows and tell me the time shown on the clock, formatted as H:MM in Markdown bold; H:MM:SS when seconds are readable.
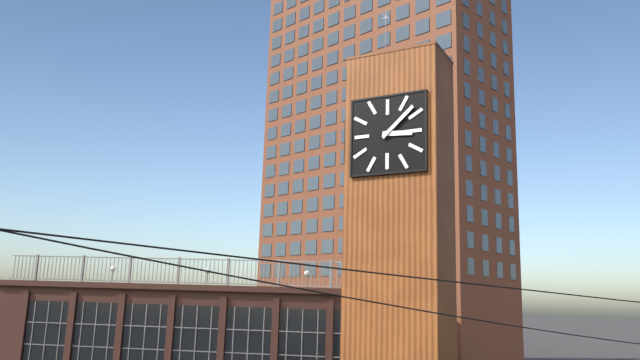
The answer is **3:08**
